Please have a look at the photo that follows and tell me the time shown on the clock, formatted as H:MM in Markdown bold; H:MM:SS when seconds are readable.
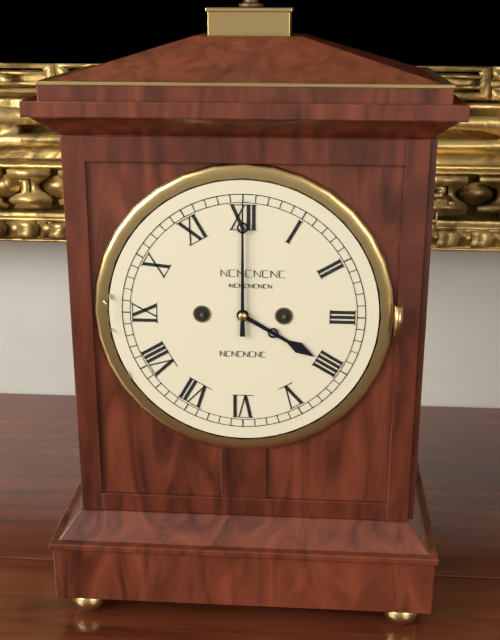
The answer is **4:00**
